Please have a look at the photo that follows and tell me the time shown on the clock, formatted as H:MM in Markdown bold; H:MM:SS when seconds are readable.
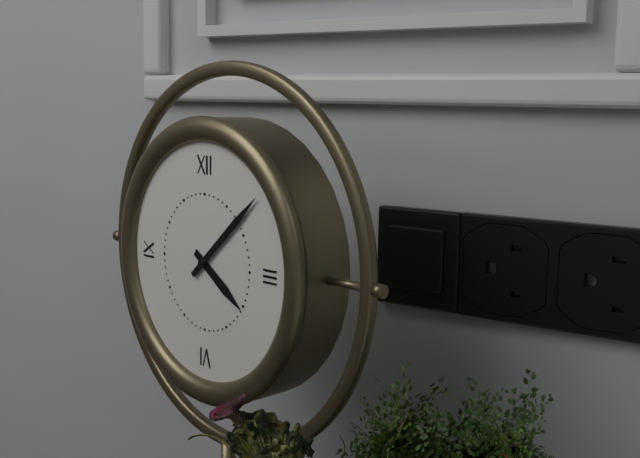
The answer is **4:08**
